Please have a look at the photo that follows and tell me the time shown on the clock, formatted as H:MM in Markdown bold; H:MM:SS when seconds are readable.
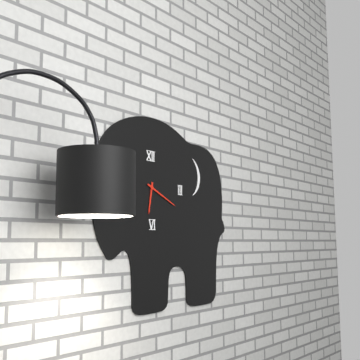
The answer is **6:19**
